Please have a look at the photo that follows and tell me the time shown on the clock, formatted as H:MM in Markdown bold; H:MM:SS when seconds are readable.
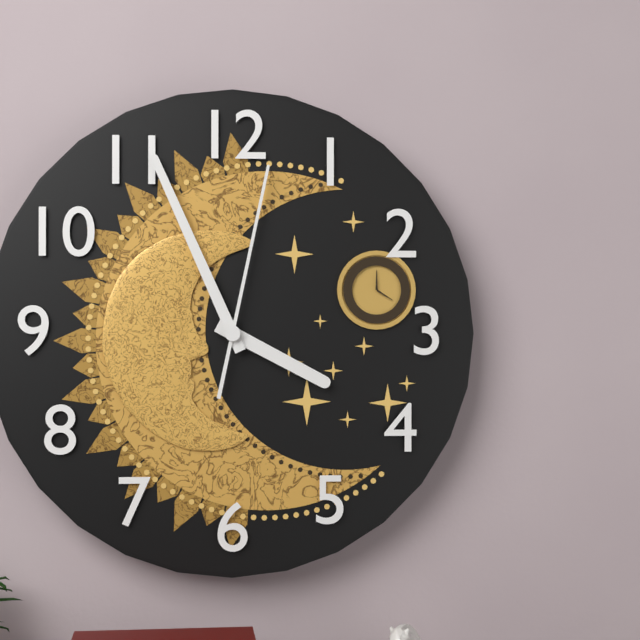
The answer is **3:56:02**
